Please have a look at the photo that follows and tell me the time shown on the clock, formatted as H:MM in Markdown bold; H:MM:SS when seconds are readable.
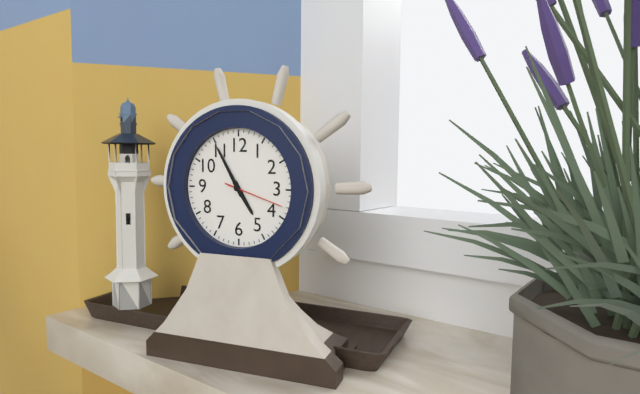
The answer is **4:55:18**
